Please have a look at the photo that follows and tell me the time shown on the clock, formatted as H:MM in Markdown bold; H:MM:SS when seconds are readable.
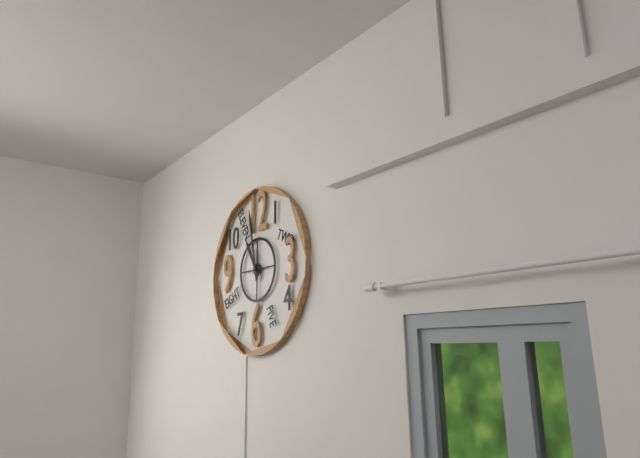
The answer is **10:58**
